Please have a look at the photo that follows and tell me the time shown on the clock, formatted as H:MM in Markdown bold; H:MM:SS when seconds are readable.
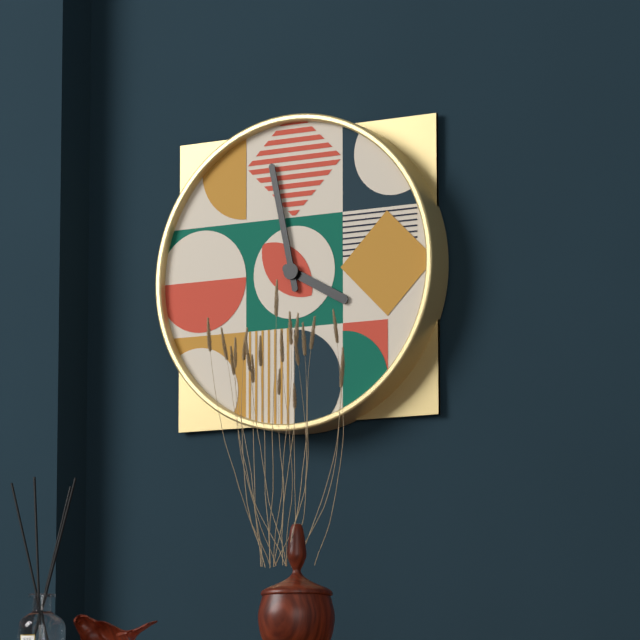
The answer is **3:58**
